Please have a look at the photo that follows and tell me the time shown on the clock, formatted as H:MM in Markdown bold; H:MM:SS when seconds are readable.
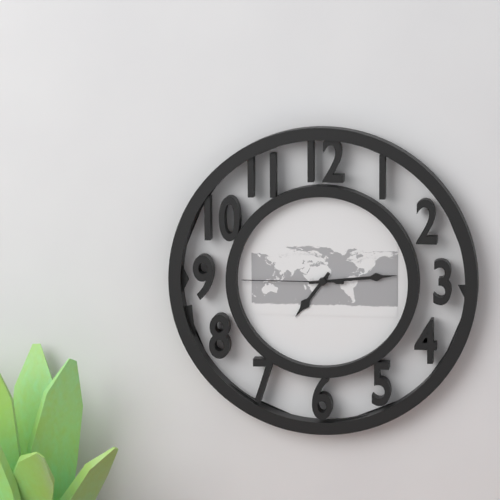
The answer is **7:14:45**
